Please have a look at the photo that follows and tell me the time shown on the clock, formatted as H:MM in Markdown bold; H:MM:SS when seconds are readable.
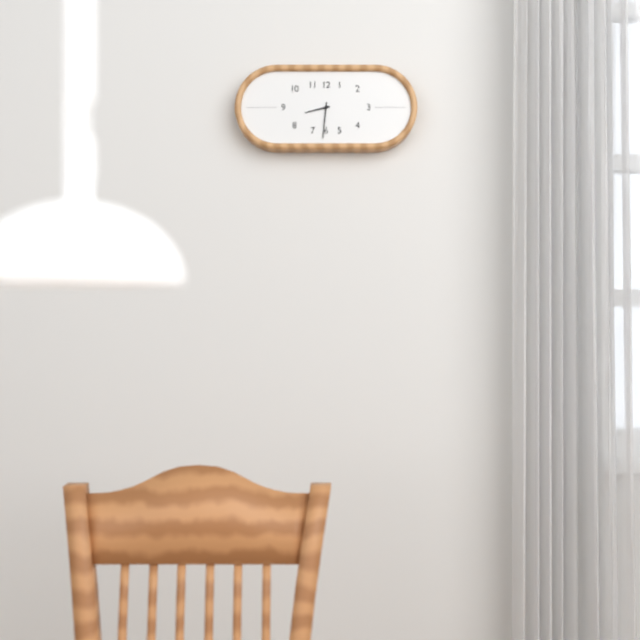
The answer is **8:31**
